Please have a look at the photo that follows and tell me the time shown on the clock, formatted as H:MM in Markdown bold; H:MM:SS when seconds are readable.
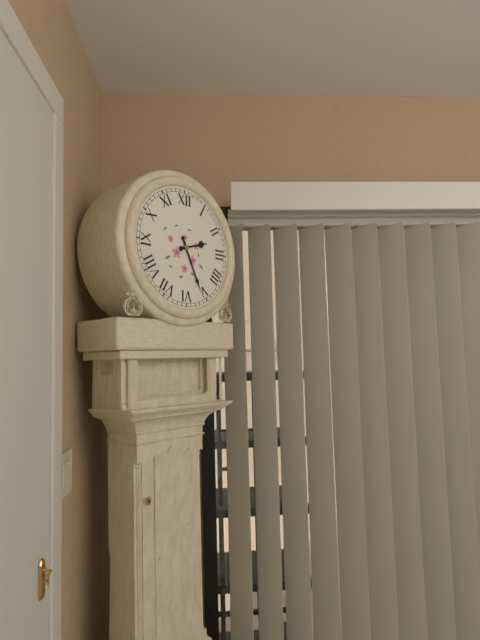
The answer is **2:26**
